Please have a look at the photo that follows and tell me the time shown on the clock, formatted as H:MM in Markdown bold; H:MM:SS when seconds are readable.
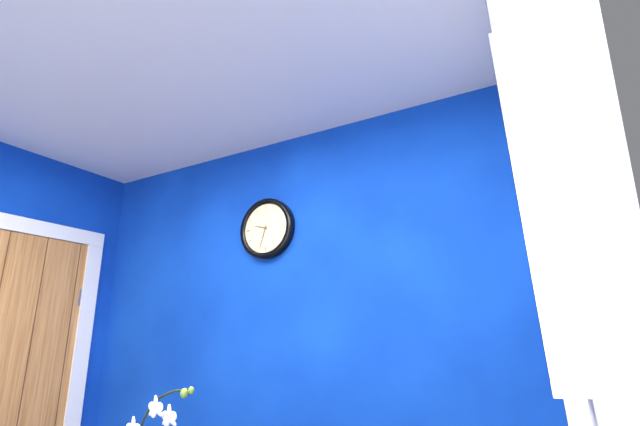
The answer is **9:33**
